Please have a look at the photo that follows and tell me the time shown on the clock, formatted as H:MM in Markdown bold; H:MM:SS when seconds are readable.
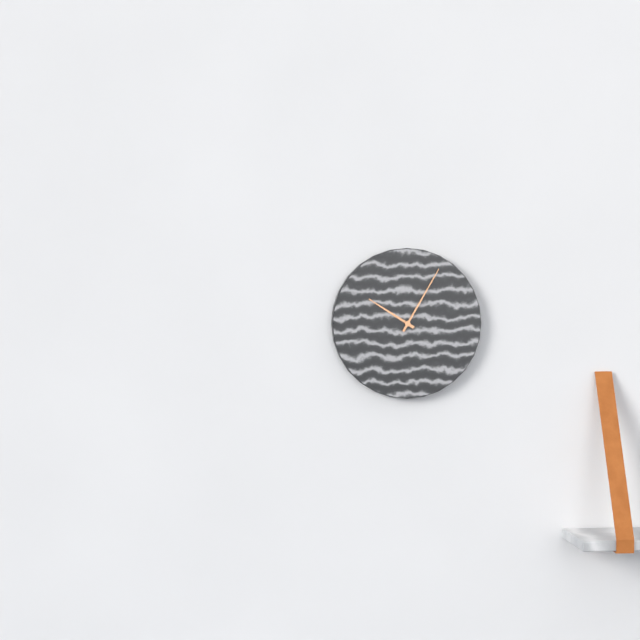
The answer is **10:05**
